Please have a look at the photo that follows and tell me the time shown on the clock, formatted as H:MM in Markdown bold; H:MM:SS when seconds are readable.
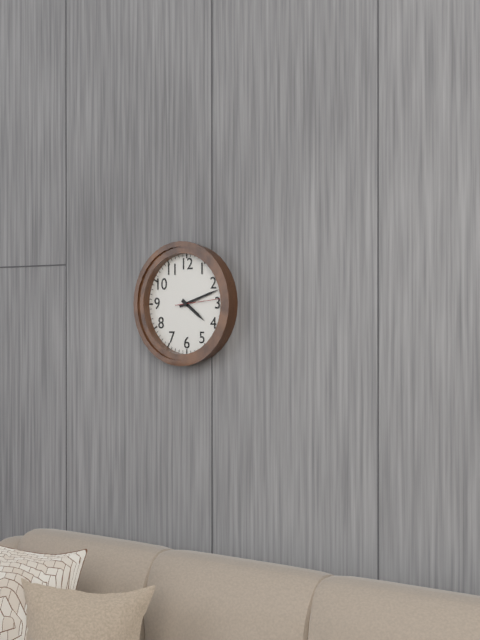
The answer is **4:12**
